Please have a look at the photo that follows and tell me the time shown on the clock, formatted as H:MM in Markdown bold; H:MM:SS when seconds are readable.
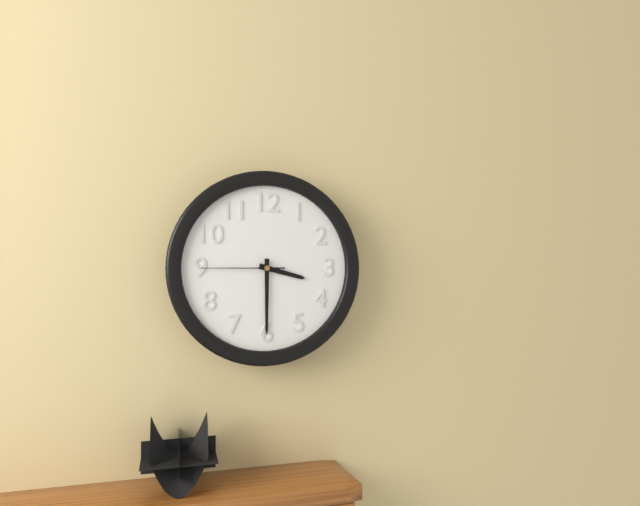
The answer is **3:30:45**
